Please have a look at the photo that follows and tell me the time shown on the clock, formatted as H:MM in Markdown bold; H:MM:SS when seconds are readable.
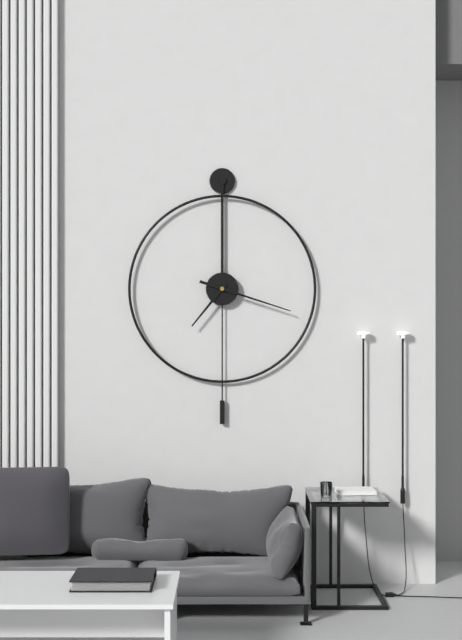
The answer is **7:18**
